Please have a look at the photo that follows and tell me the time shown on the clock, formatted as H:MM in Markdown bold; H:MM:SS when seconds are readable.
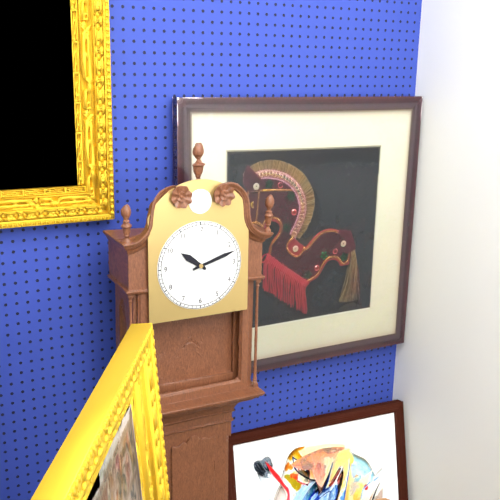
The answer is **10:12**
